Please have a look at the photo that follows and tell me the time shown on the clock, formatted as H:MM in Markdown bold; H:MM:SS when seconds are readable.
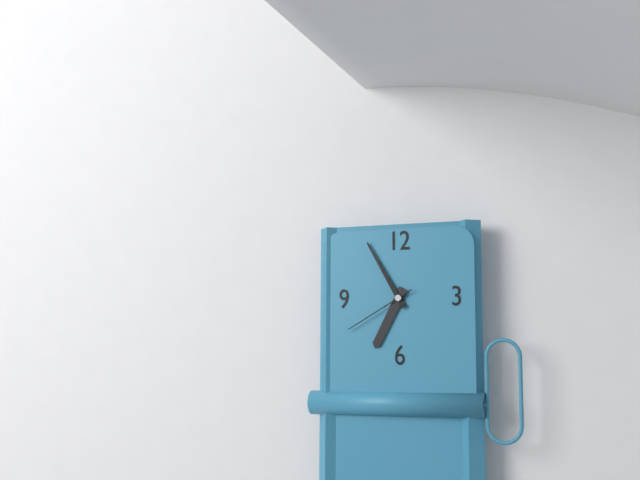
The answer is **6:55:40**
